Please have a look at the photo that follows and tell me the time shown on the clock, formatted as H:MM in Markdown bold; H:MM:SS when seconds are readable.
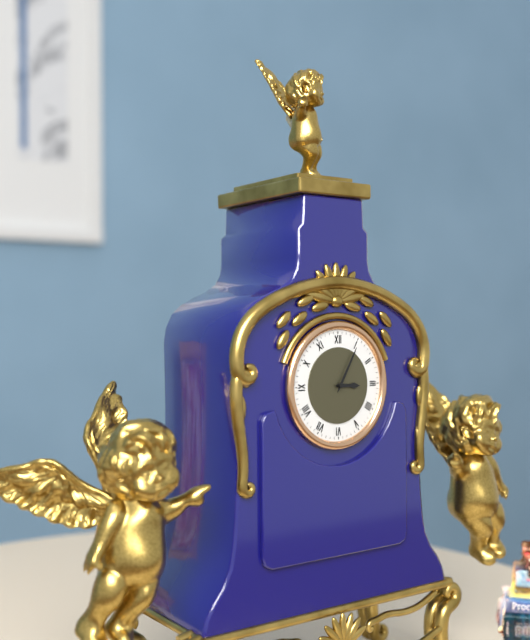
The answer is **3:05**
